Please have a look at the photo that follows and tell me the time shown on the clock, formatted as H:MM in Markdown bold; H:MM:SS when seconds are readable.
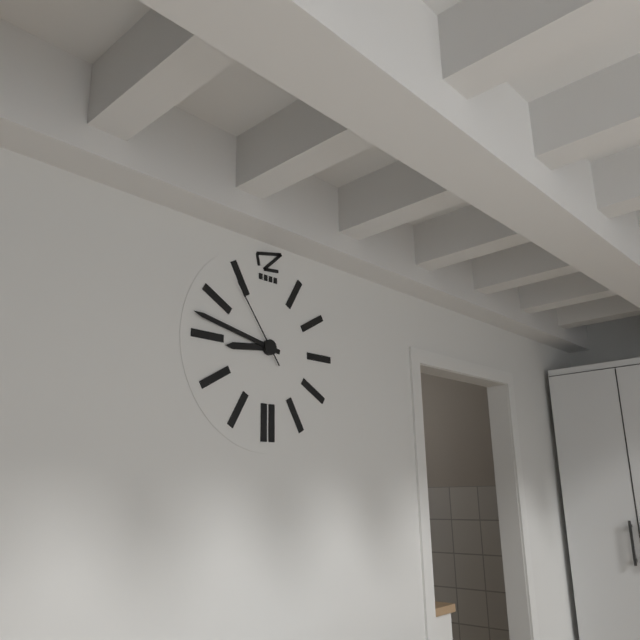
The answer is **8:47:54**
